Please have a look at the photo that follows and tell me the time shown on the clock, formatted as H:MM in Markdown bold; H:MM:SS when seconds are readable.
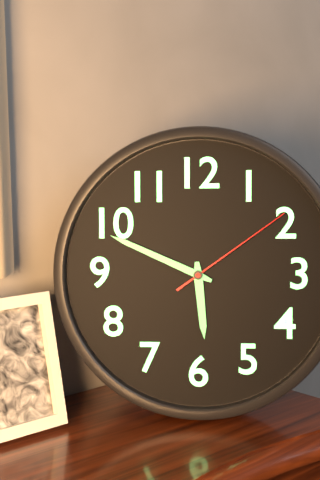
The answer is **5:49:09**
